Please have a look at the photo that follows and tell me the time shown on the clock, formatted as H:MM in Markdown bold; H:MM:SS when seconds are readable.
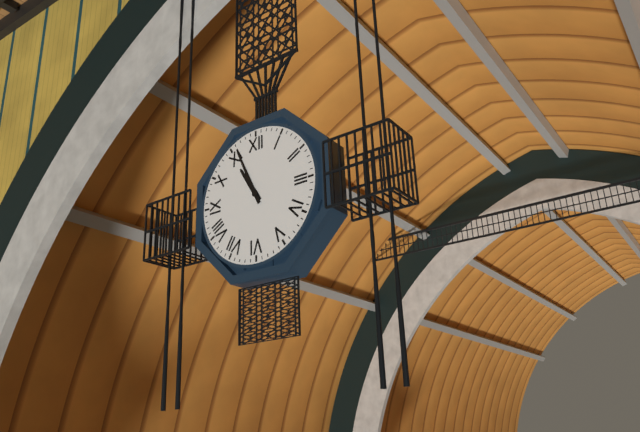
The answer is **10:56**
